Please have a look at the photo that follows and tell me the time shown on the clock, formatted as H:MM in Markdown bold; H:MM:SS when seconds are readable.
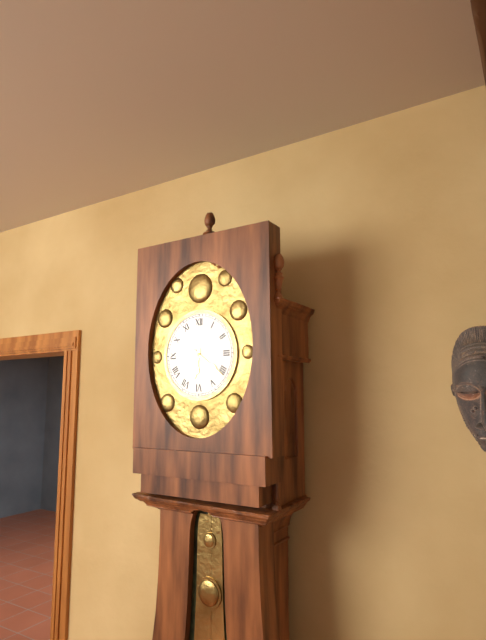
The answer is **6:21**
